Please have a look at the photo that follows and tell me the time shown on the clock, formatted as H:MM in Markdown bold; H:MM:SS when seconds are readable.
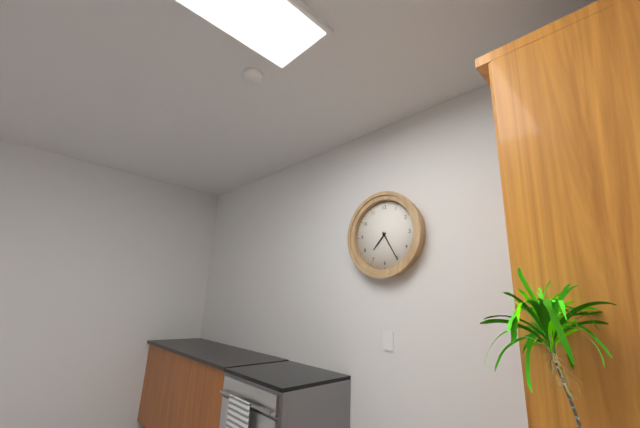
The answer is **7:25**
